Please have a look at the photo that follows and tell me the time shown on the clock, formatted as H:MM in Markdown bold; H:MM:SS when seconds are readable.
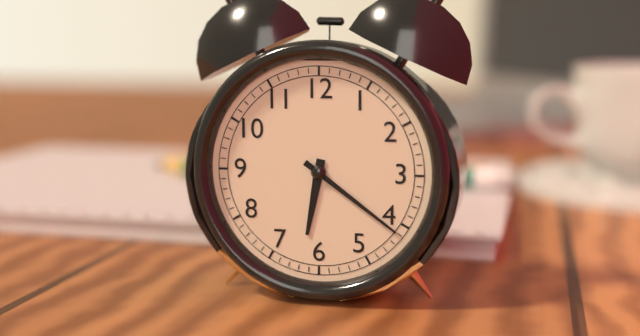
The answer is **6:21**
